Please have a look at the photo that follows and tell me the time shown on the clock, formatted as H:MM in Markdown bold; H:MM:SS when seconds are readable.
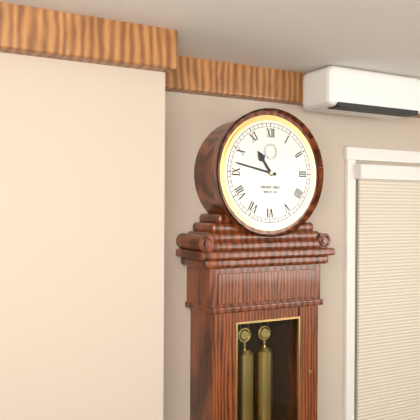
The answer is **10:47**
